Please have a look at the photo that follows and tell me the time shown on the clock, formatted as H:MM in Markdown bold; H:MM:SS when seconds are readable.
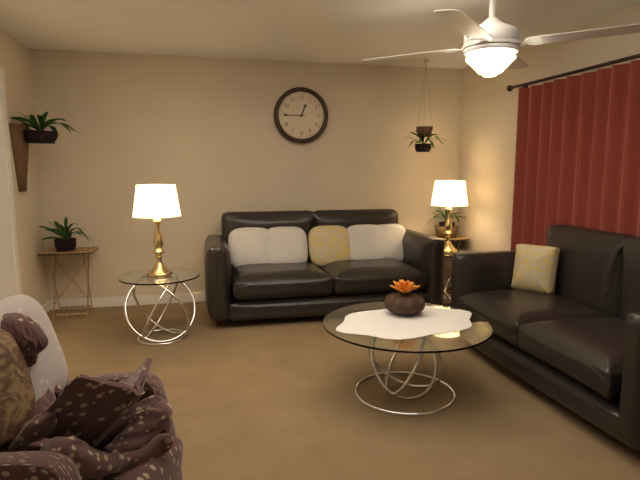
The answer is **12:45**
